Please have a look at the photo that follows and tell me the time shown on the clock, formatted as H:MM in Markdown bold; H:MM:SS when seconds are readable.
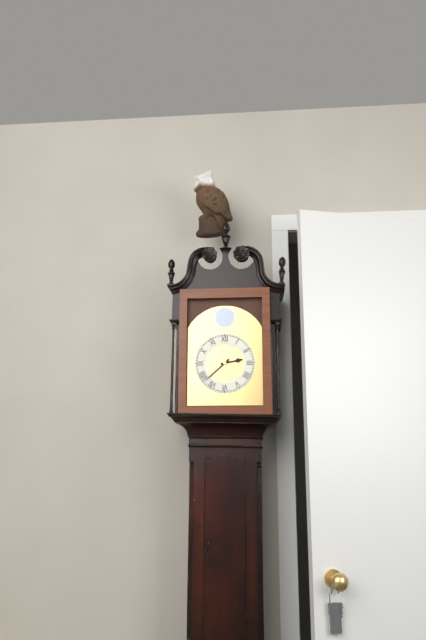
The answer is **2:38**
